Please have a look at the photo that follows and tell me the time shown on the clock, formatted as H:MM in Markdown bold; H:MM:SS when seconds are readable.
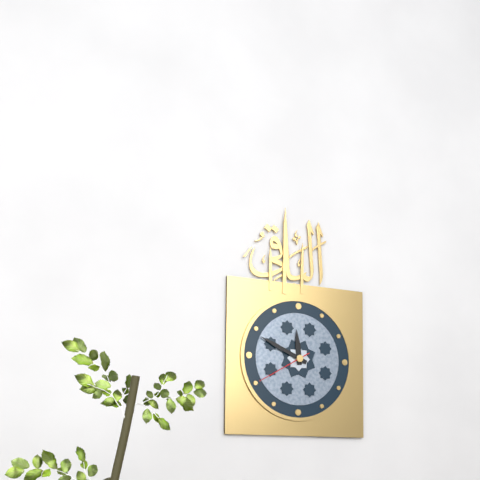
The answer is **11:49:40**
